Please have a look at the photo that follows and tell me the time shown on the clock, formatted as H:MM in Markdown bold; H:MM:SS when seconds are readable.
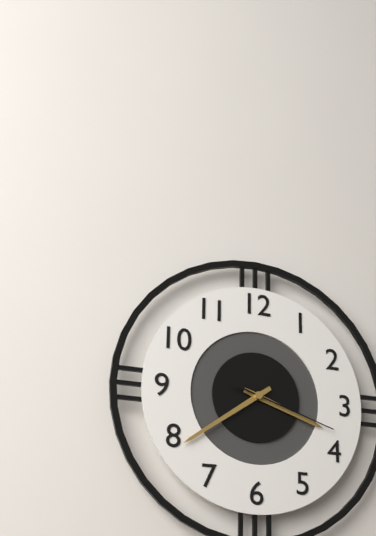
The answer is **3:39:18**
